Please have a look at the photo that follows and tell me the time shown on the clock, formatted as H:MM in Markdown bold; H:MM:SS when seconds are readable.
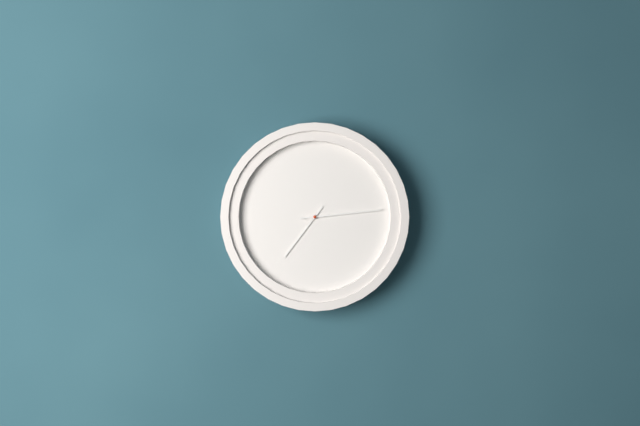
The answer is **7:14**
